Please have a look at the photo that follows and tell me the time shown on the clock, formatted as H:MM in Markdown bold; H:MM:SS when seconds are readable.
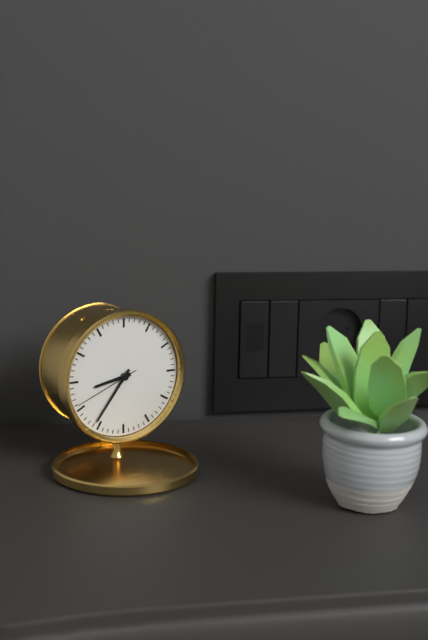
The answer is **8:36:41**
